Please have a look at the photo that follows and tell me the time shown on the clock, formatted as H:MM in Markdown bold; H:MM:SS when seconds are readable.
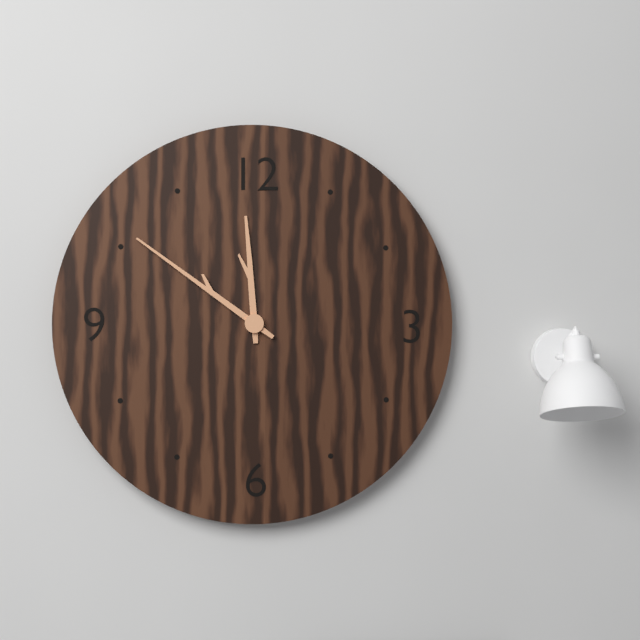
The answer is **11:51**
